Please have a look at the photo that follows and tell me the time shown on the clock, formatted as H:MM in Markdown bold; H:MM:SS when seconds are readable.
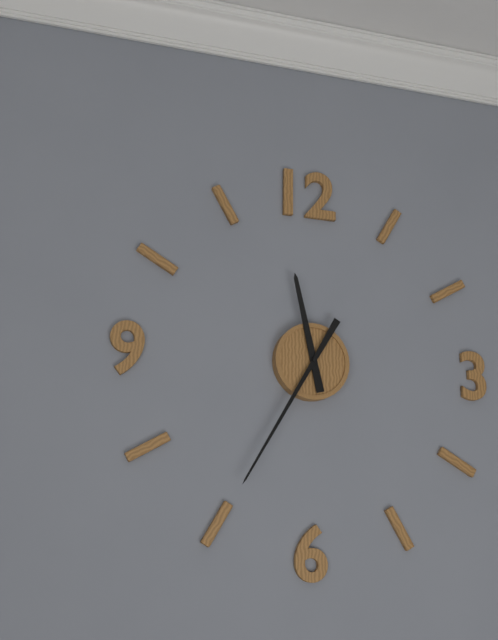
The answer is **11:35**
